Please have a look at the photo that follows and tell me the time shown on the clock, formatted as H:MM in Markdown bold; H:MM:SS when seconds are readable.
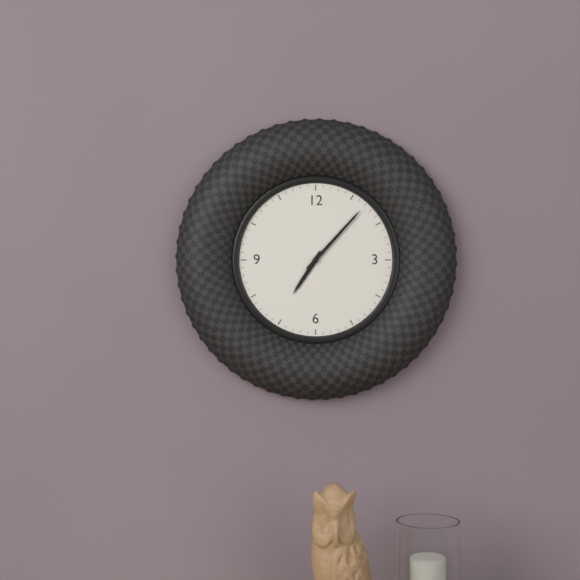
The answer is **7:07**
